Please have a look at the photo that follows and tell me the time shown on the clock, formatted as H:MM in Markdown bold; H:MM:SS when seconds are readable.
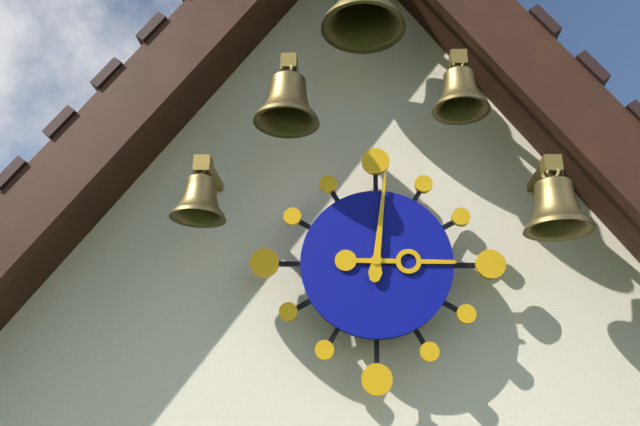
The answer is **3:01**
